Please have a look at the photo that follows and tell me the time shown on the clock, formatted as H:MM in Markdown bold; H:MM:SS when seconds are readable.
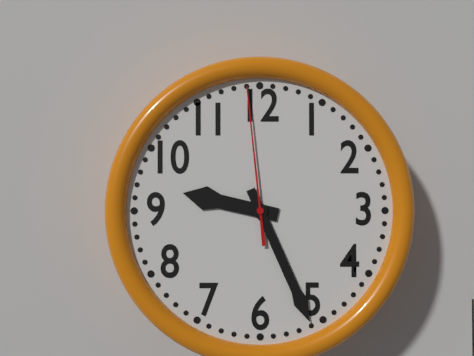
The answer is **9:26:59**
